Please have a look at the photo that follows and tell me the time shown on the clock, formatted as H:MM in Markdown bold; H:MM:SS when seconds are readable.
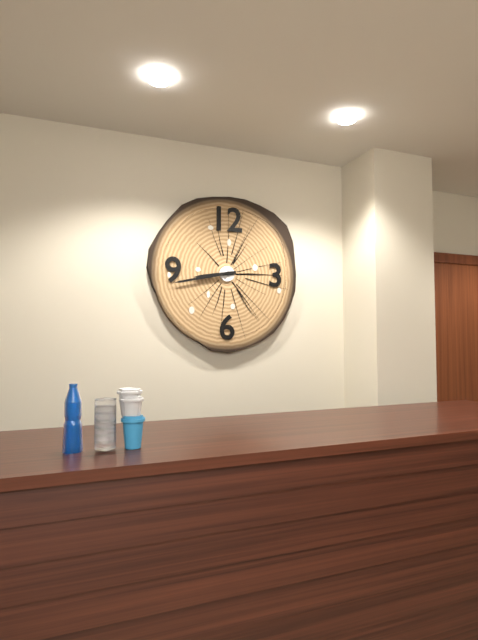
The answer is **8:43**
